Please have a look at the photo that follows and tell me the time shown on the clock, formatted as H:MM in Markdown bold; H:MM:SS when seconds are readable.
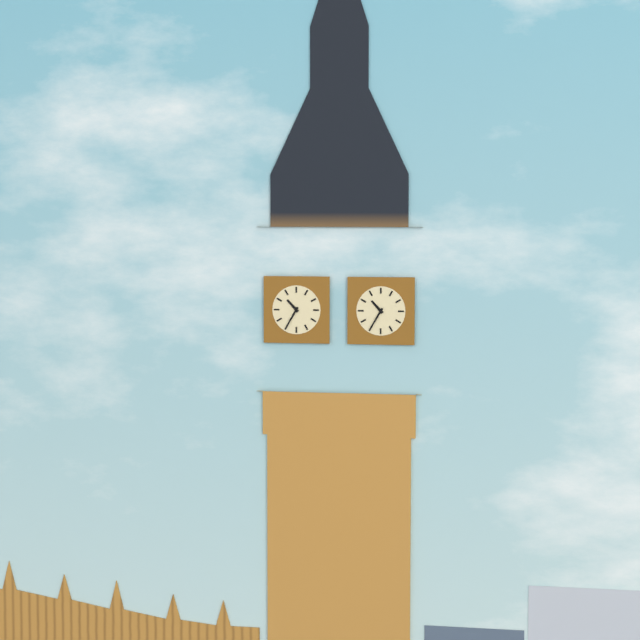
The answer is **10:35**
